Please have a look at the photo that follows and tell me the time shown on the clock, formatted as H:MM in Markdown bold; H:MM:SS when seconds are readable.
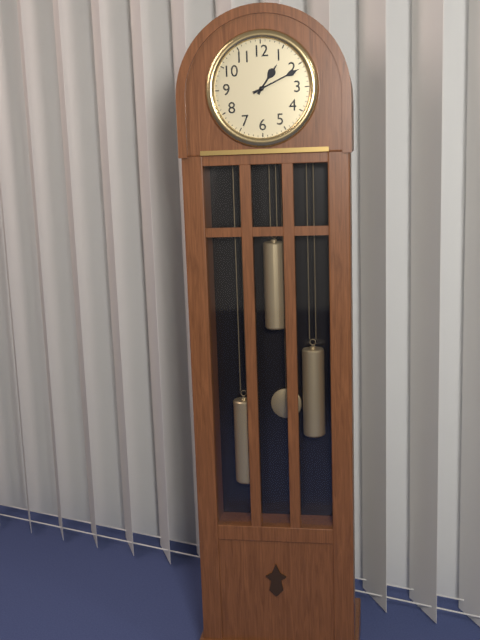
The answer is **1:11**
